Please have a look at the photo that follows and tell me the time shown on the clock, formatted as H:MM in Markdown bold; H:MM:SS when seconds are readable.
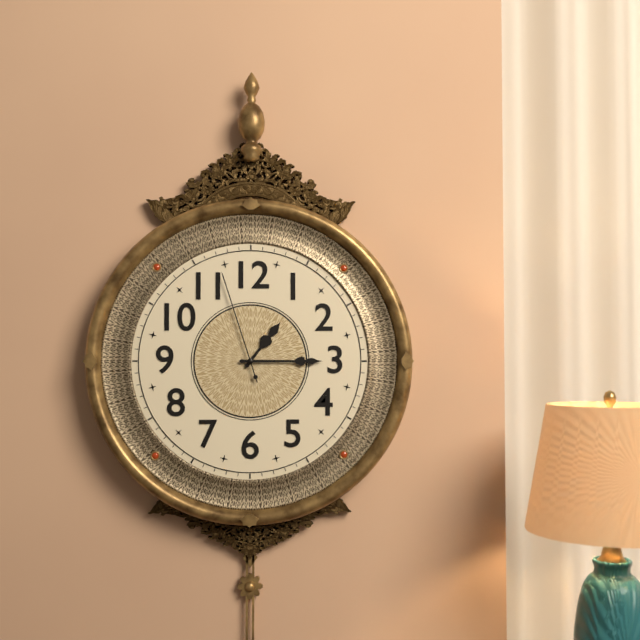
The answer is **1:15:57**
